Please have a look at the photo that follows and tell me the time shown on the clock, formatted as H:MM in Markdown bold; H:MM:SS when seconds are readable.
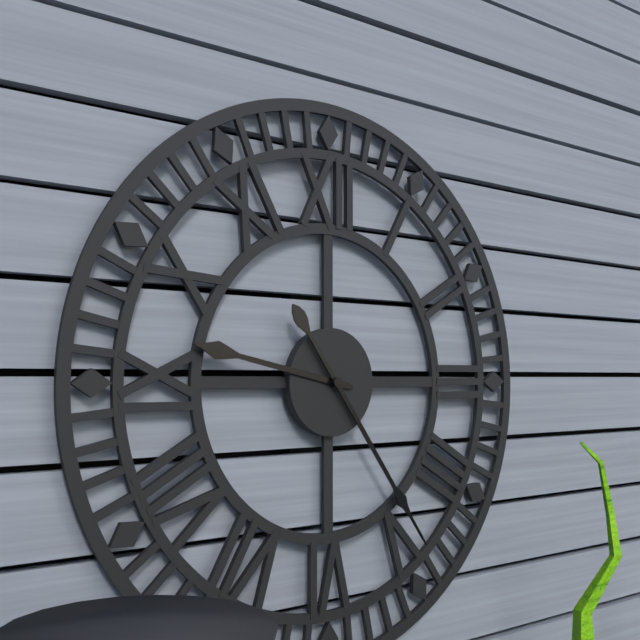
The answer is **9:24**
